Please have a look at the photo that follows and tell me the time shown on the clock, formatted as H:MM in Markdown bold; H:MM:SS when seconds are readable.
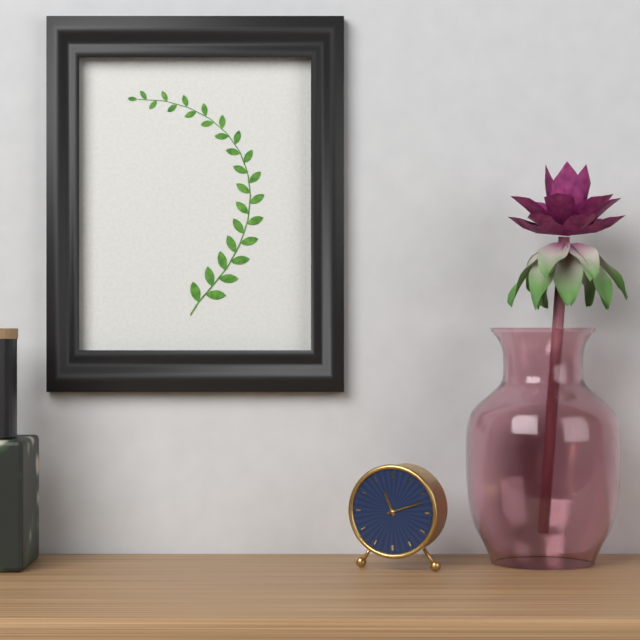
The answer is **11:12**
